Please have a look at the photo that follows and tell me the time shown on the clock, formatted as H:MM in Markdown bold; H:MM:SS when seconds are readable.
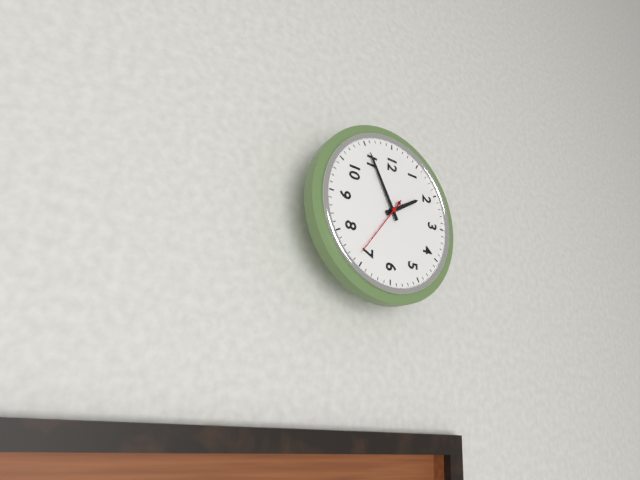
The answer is **1:55:36**
